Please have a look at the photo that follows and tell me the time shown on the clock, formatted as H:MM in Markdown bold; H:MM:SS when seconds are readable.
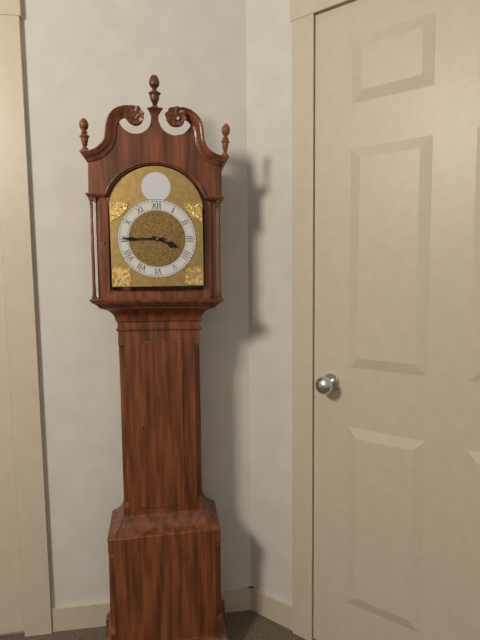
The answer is **3:45**
